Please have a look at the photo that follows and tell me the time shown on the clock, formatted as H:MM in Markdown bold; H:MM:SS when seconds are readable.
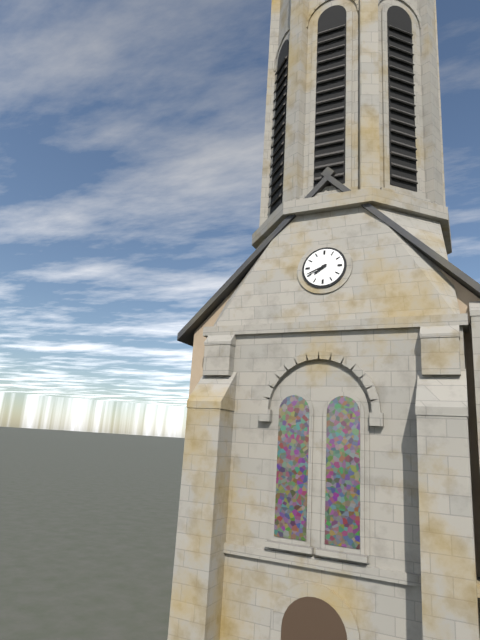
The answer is **7:41**
